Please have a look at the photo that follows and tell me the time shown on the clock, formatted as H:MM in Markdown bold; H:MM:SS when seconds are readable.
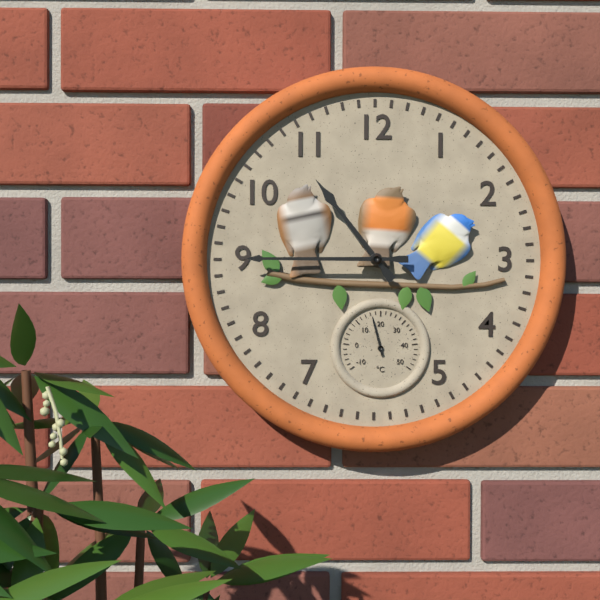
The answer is **10:45**
